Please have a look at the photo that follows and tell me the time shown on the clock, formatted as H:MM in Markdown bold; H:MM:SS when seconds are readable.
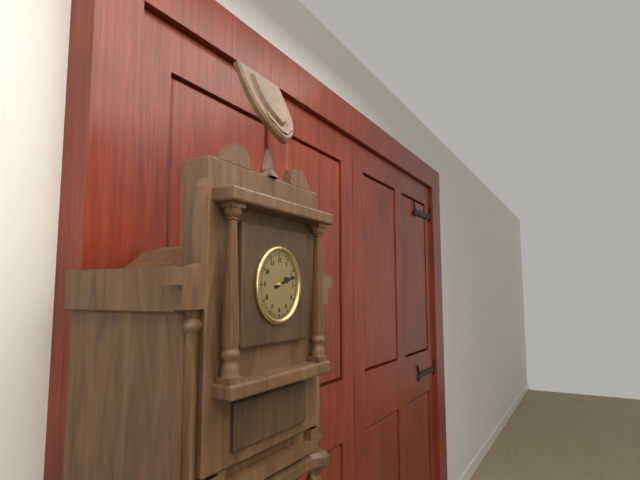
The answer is **2:12**
